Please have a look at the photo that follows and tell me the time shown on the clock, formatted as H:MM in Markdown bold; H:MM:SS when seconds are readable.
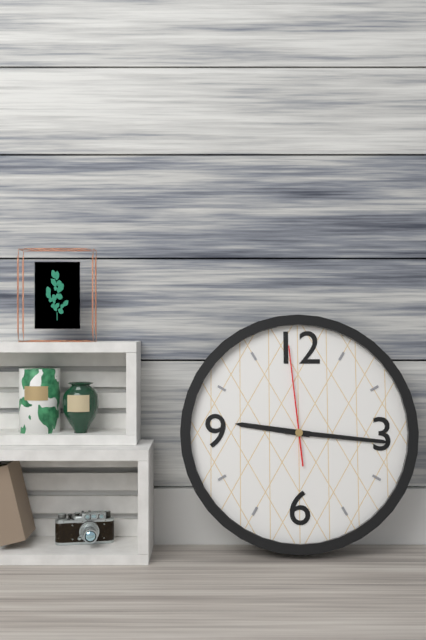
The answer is **9:16:59**
